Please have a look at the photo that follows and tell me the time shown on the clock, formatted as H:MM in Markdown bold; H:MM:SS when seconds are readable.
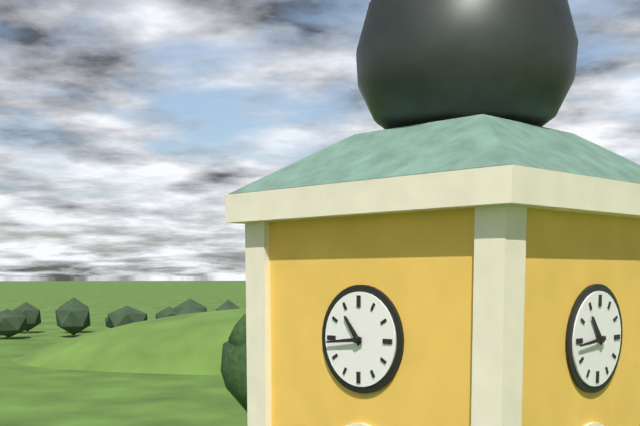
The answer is **10:44**
